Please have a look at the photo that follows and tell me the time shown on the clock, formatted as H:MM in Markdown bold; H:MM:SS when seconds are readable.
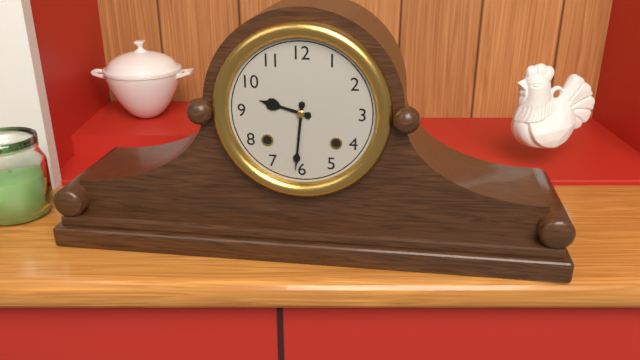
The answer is **9:31**
